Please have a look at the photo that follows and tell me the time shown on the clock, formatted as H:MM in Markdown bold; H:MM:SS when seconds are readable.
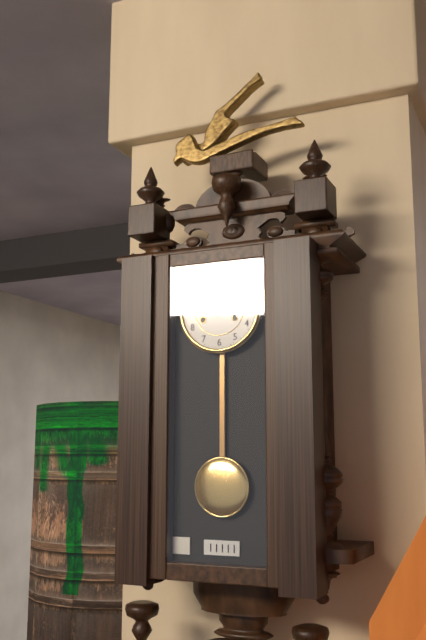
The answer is **10:05**
